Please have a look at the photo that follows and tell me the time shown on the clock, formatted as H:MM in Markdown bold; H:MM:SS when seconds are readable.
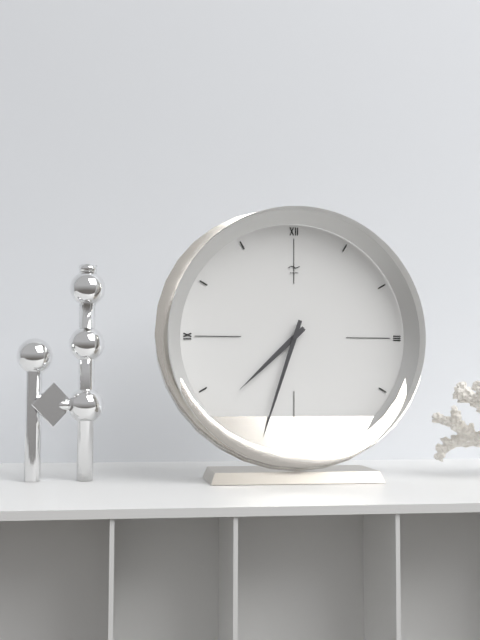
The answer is **7:33**
